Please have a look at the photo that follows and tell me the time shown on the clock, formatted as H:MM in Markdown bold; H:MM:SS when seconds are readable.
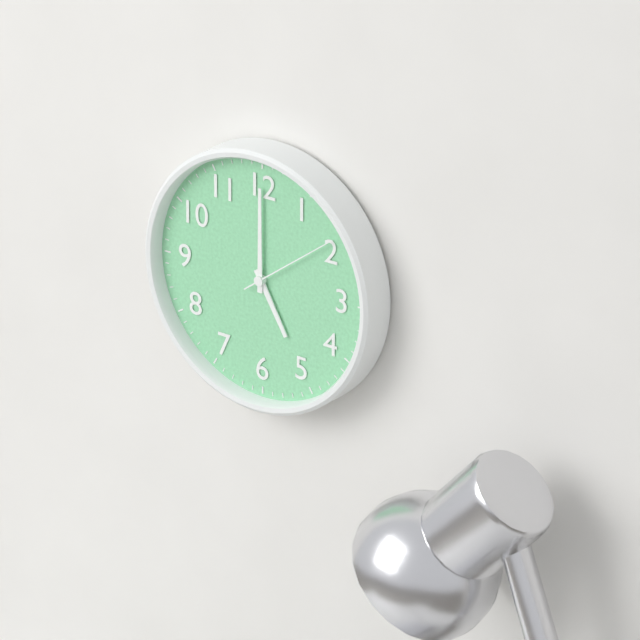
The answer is **5:00:09**
